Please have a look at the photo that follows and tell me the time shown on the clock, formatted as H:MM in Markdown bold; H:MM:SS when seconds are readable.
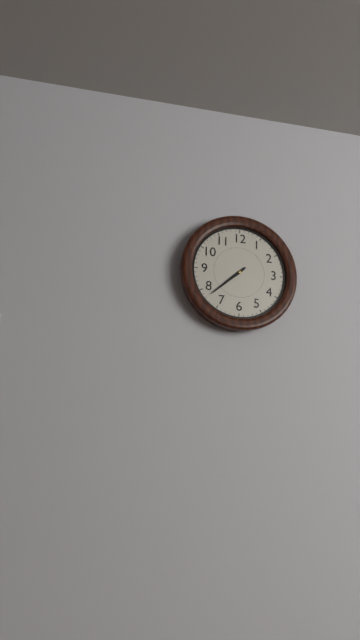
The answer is **7:38**
